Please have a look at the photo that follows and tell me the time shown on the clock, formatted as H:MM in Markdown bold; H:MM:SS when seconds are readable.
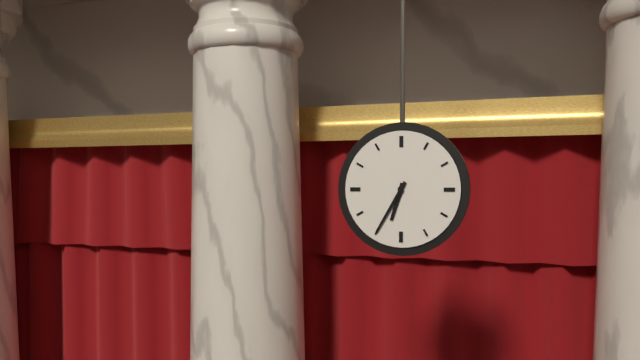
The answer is **6:35**
